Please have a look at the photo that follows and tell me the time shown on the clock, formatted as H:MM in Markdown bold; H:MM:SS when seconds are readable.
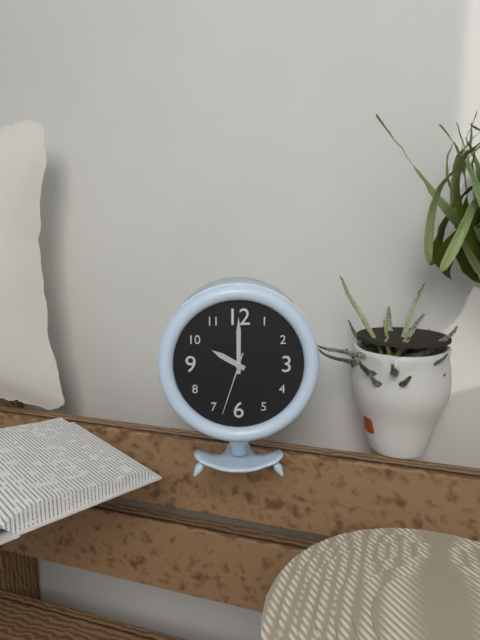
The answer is **10:00:33**
